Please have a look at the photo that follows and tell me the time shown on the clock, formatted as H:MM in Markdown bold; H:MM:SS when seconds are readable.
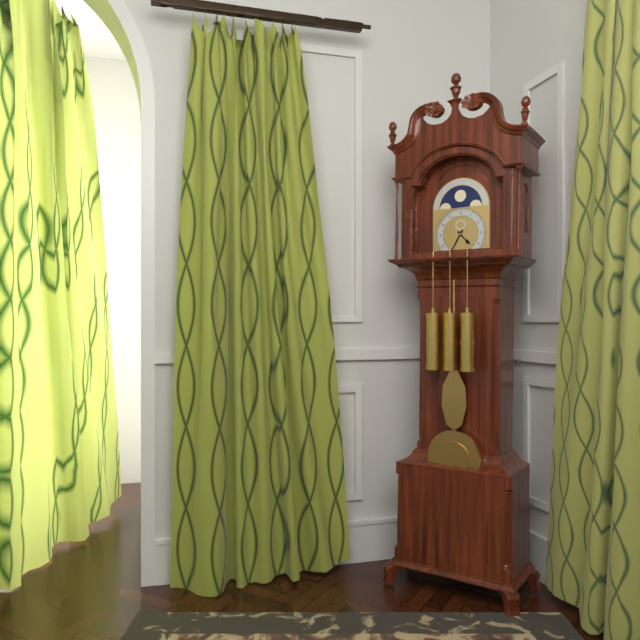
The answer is **4:35**
